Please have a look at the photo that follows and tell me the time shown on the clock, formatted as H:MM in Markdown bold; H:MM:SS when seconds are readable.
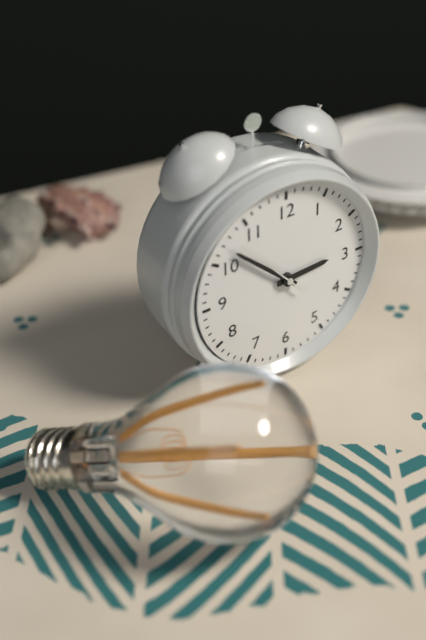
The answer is **2:52:53**
